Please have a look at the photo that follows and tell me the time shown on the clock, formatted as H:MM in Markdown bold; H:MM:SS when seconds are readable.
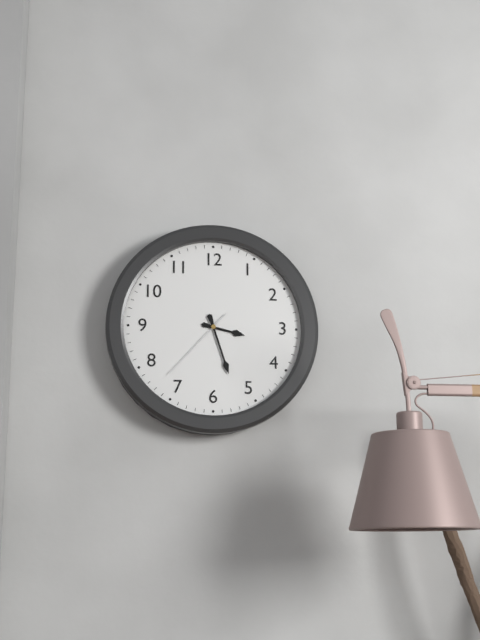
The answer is **3:27:37**
